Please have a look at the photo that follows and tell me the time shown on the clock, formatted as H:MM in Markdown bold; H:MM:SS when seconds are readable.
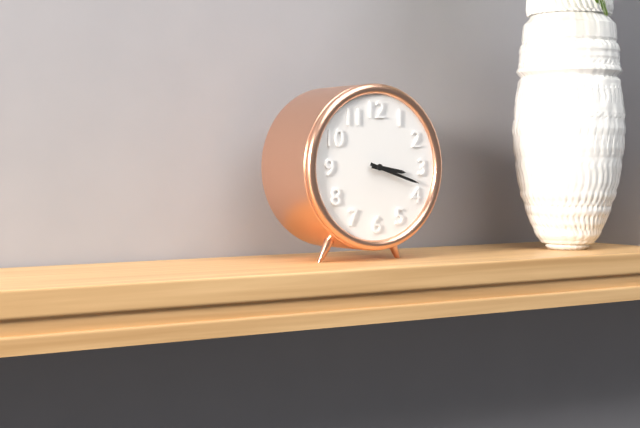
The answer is **3:18**
